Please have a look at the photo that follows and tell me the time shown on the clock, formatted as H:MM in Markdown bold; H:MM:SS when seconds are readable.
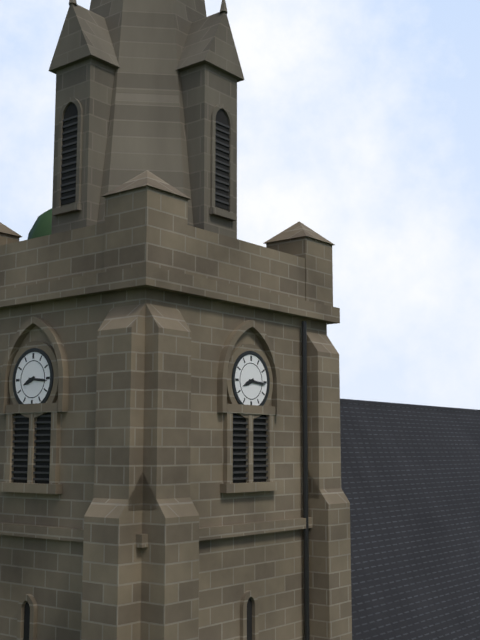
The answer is **8:16**
